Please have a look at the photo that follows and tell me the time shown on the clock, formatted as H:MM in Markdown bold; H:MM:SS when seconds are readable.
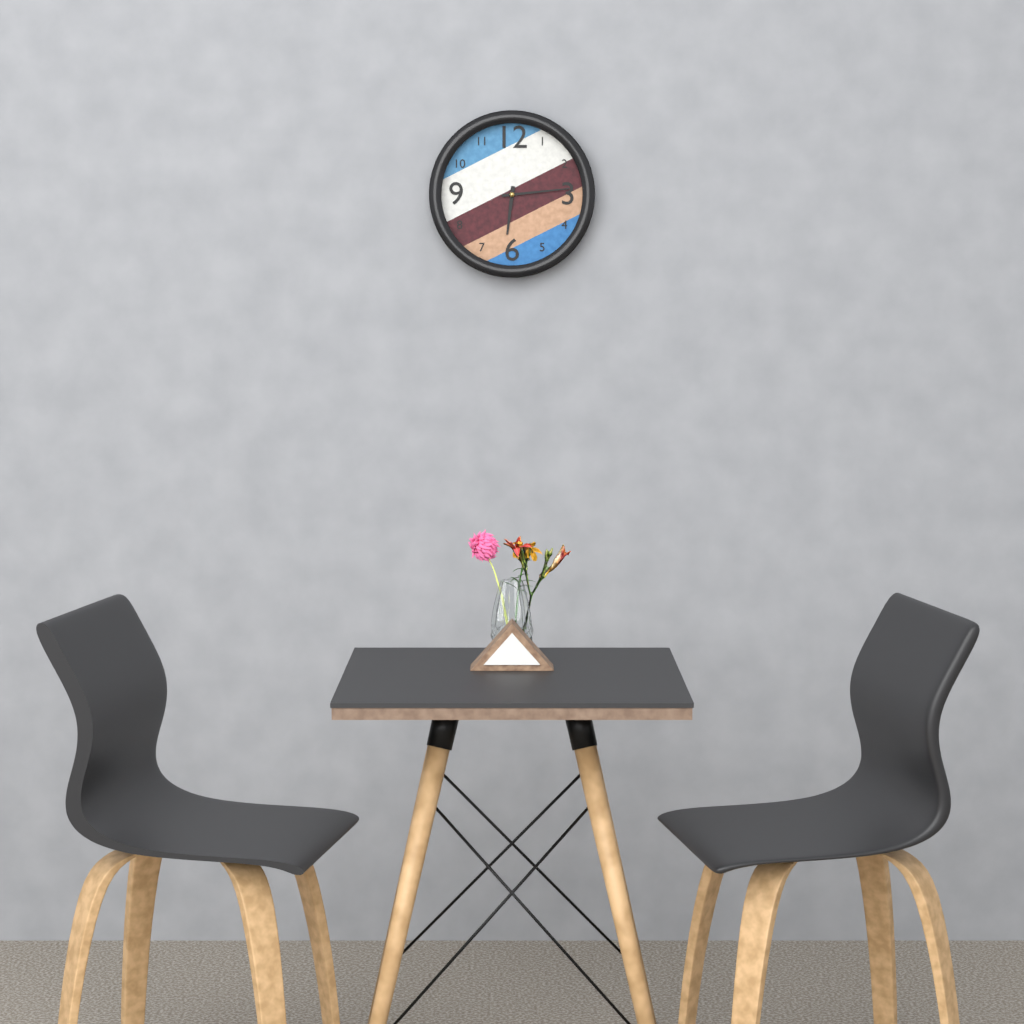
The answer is **6:14**
